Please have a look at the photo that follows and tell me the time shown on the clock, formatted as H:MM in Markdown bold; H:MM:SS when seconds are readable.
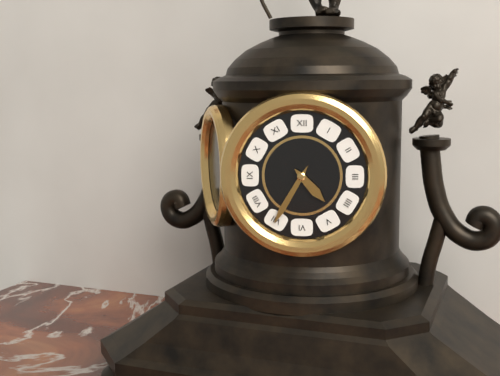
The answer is **4:35**
